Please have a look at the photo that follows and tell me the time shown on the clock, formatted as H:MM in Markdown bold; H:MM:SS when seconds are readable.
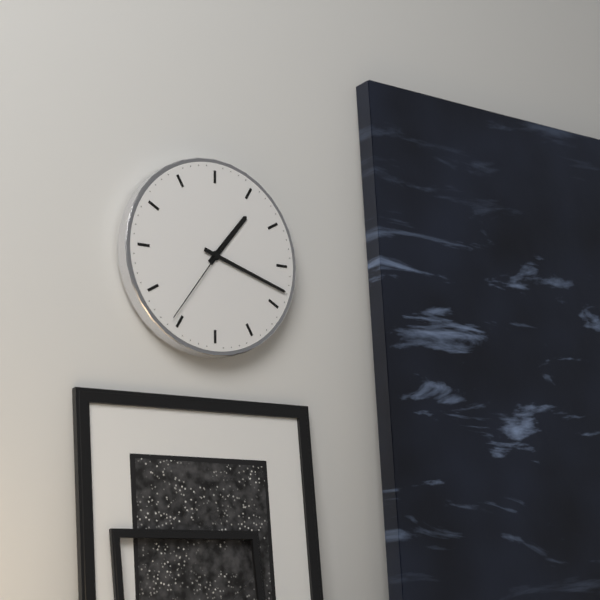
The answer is **1:18:36**
